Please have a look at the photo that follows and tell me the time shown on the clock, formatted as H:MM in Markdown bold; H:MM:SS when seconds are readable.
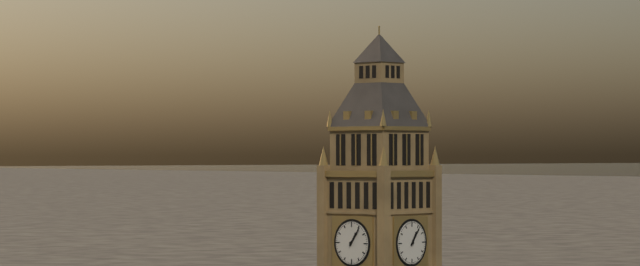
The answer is **1:06**
